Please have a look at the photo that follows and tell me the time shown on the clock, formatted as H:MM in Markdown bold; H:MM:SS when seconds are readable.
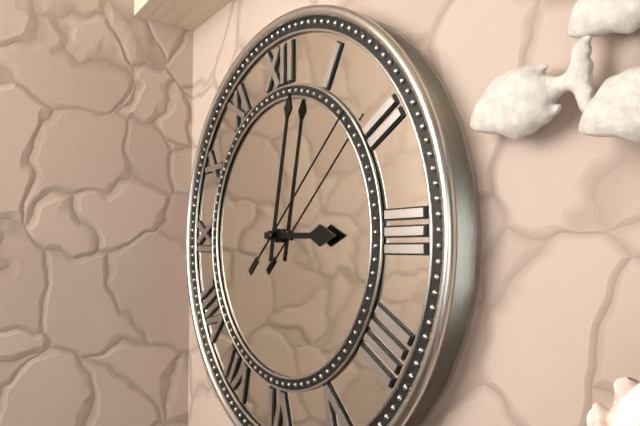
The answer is **3:02:08**
